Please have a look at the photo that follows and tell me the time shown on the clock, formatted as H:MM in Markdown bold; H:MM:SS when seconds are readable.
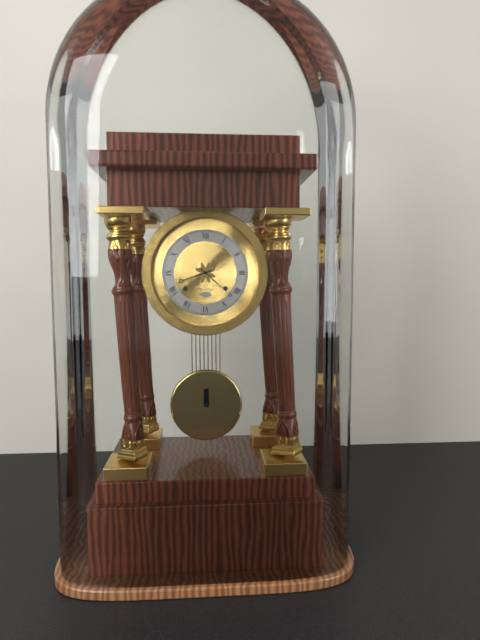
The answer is **8:22**
